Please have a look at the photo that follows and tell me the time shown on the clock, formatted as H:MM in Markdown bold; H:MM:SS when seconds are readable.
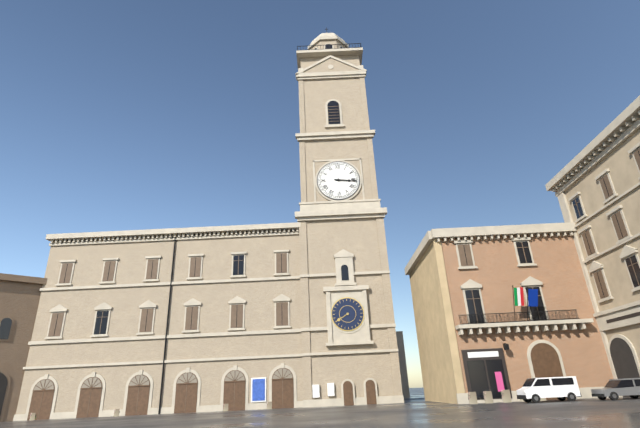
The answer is **3:16**
